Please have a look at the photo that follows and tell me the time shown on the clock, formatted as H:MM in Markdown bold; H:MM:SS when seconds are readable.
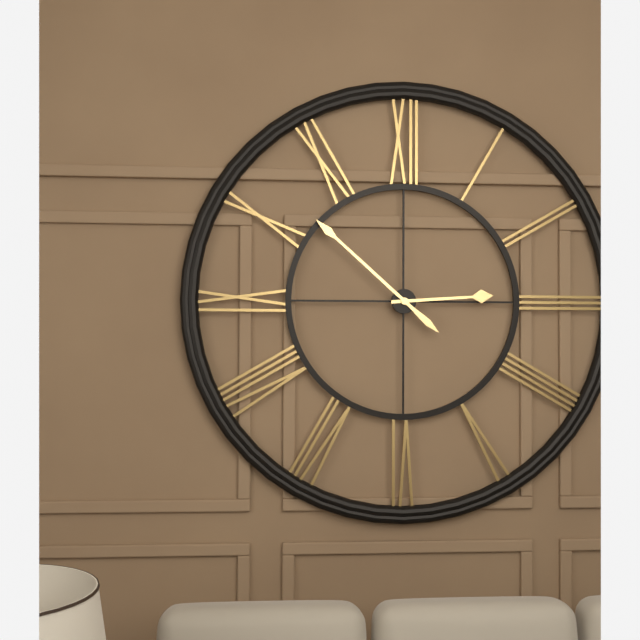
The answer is **2:52**
